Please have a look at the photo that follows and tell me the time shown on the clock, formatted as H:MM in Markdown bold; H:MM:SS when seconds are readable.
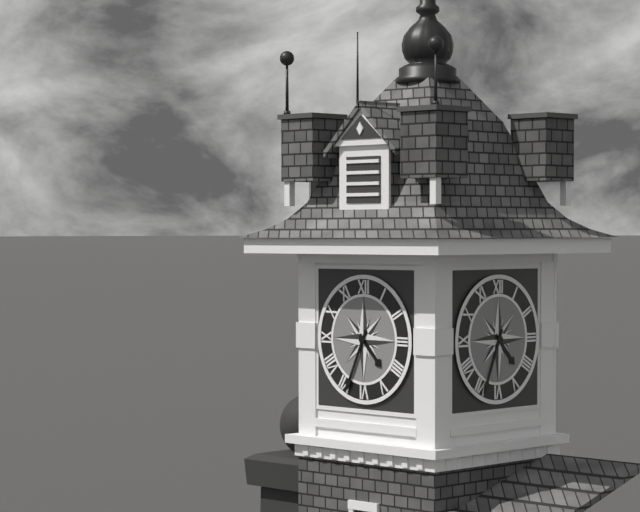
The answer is **4:34**
